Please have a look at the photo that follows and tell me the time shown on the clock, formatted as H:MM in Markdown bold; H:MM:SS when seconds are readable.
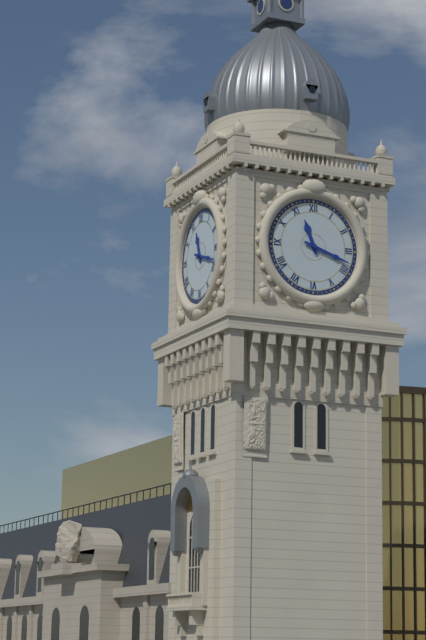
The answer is **11:18**
